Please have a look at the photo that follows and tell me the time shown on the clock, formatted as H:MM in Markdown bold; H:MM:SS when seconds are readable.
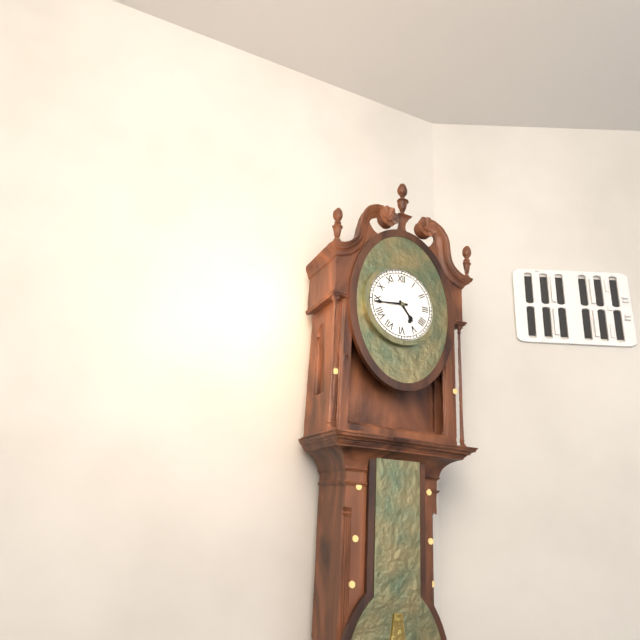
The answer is **4:44**
